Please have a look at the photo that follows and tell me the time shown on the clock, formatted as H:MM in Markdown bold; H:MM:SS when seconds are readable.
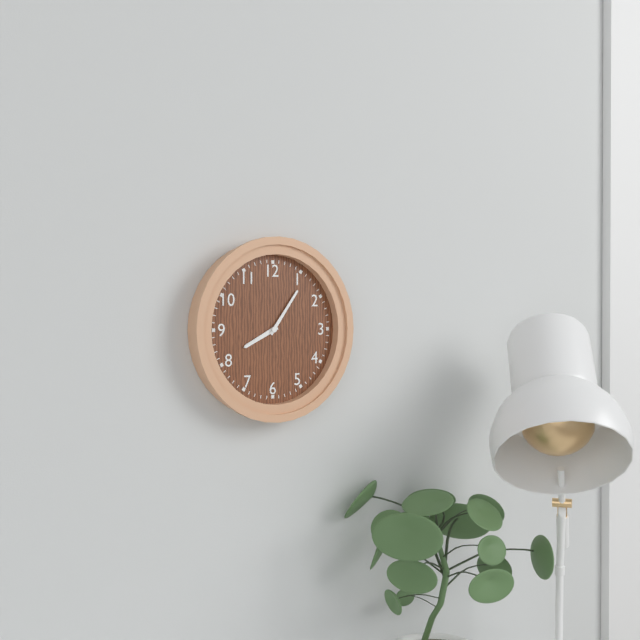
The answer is **8:06**
